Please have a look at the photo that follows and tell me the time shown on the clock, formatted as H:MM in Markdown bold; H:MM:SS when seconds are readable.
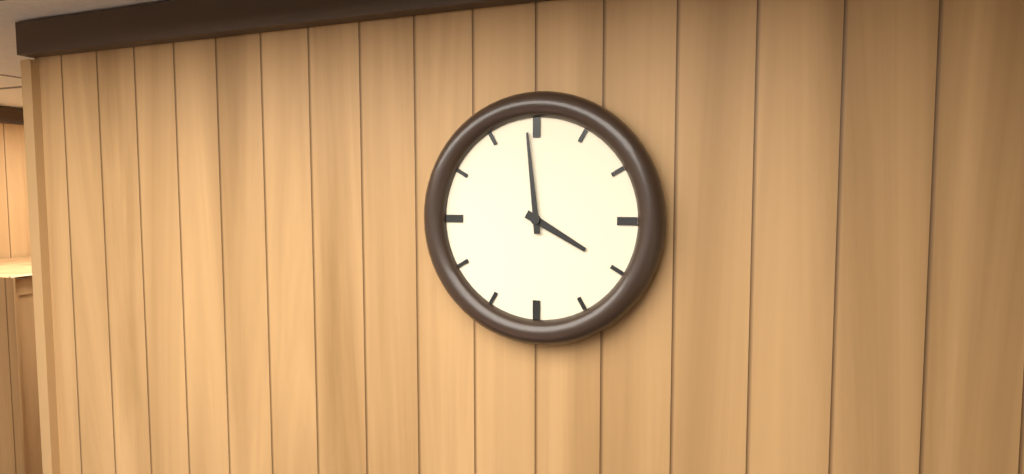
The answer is **3:59**
